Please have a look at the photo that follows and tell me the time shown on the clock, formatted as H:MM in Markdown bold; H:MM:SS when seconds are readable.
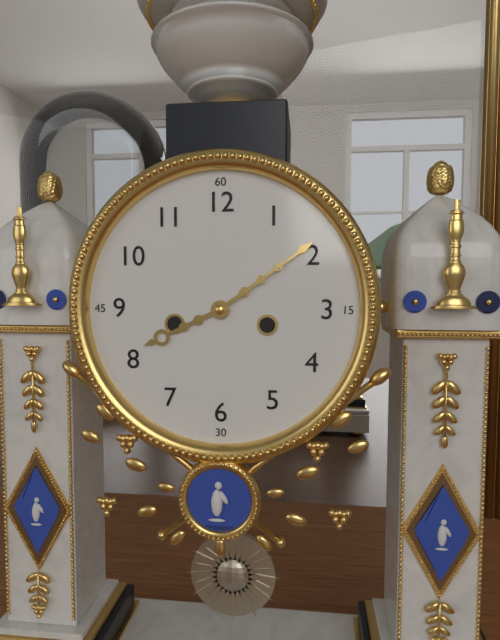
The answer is **8:09**
